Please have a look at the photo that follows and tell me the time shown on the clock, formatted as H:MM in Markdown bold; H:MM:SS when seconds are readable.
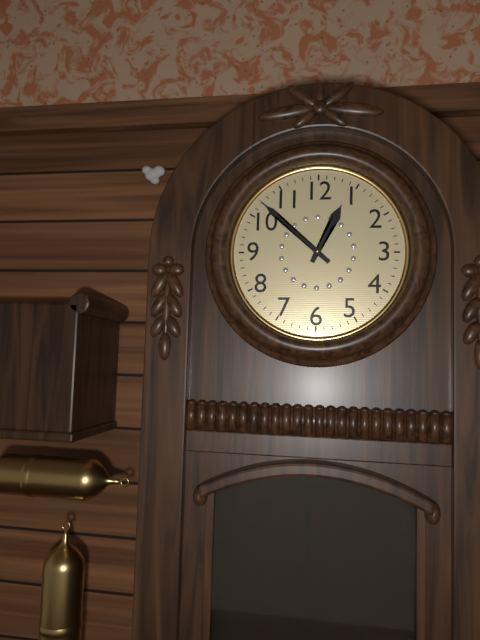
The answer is **12:52**
